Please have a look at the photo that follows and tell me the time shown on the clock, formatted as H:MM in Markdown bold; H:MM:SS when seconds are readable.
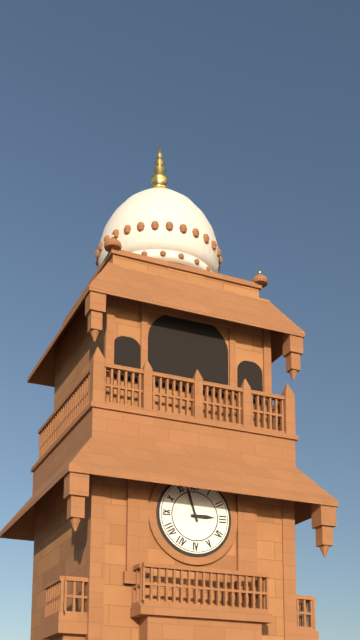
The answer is **2:57**
